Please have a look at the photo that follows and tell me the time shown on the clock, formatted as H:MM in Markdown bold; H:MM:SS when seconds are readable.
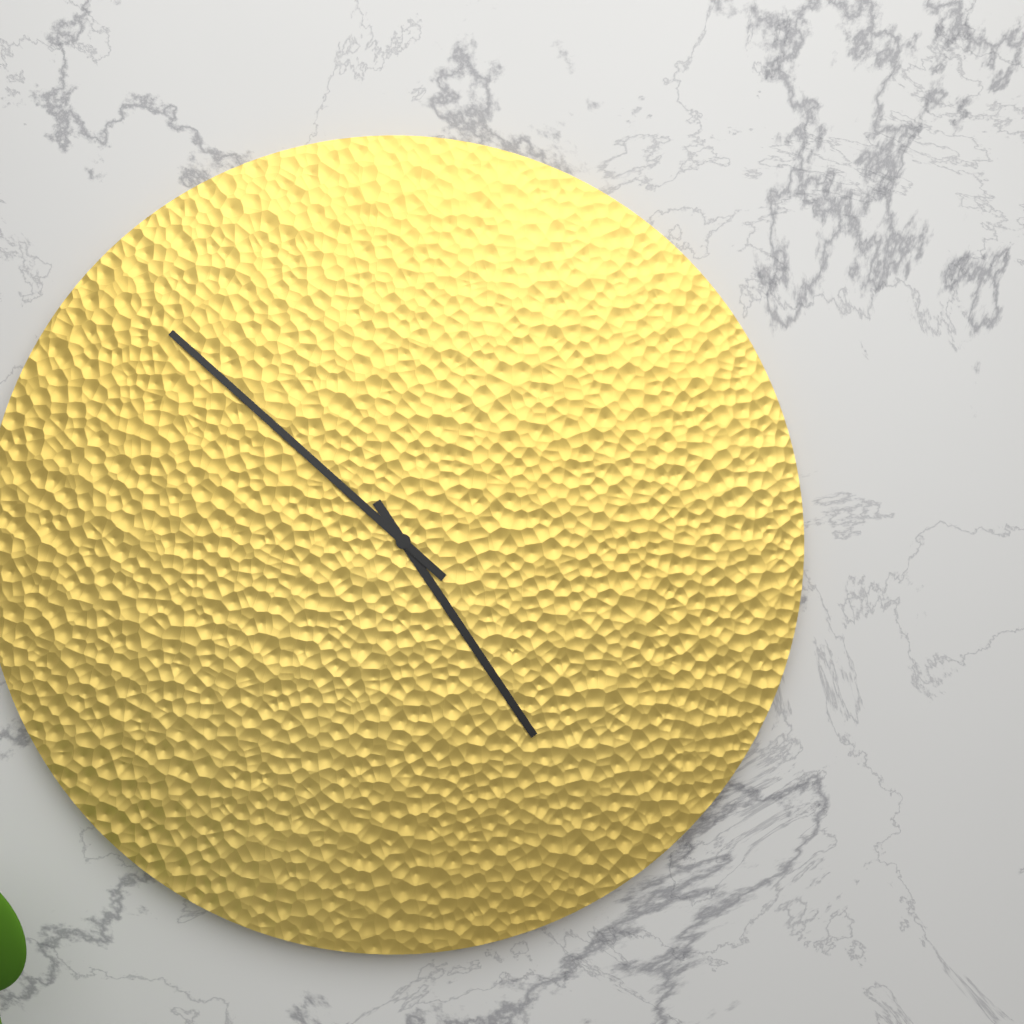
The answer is **4:52**
